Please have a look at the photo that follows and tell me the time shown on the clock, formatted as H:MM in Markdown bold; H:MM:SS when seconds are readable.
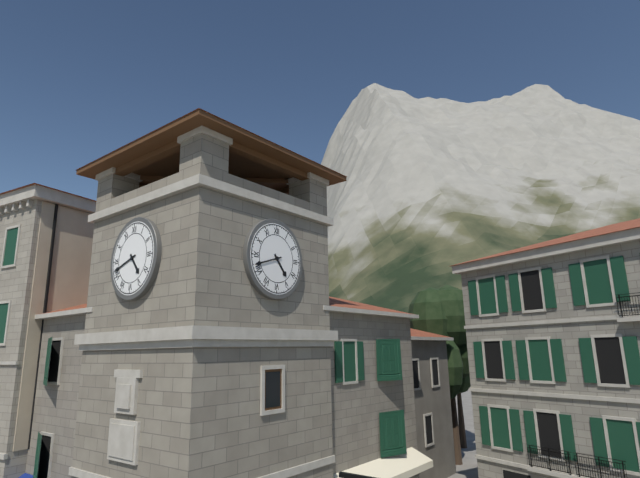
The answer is **4:42**
